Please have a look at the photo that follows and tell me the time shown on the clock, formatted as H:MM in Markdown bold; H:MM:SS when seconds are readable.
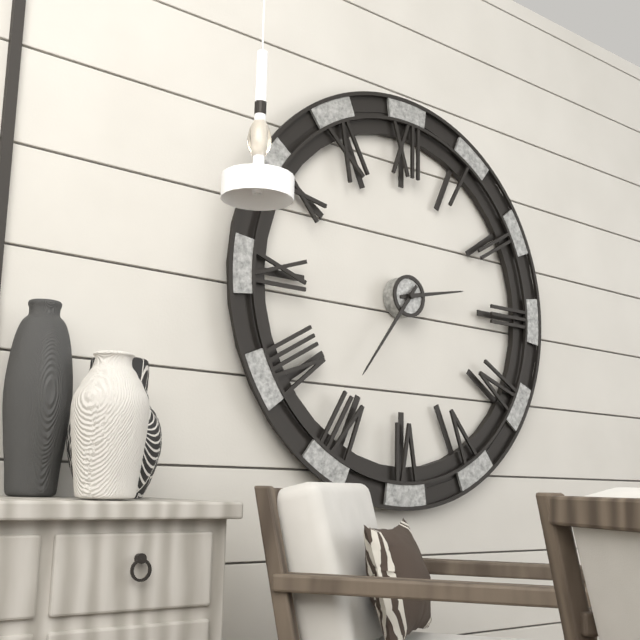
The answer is **2:36**
